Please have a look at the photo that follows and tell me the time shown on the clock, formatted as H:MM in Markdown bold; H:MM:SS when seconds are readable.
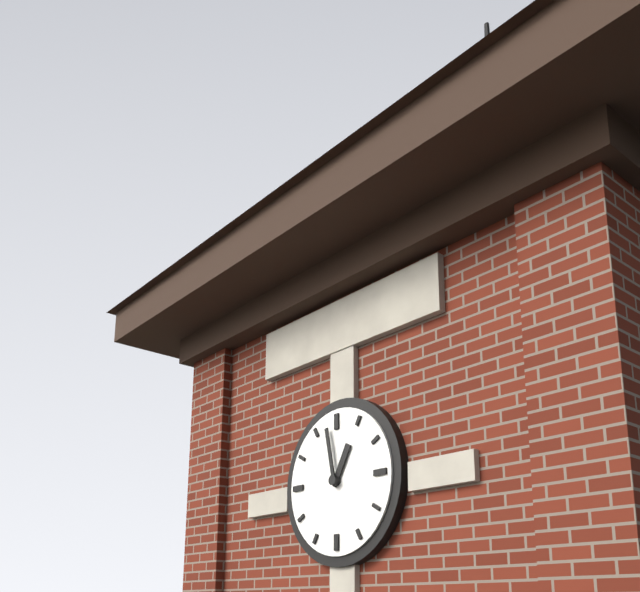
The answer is **12:58**
